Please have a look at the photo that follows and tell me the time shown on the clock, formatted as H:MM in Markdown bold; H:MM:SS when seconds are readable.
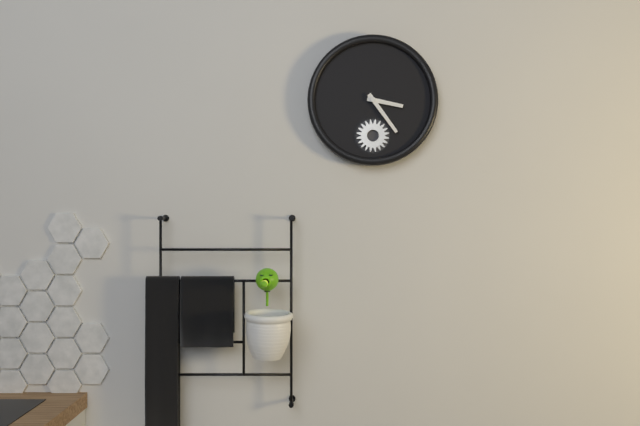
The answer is **3:24**
